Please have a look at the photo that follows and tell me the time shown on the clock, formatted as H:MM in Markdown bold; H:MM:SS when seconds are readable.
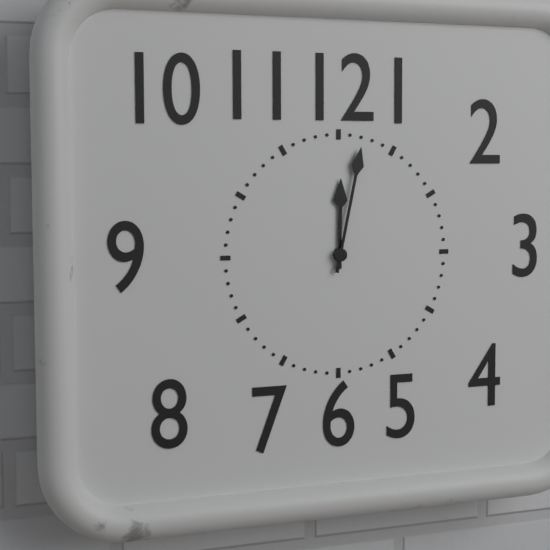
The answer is **12:02**
